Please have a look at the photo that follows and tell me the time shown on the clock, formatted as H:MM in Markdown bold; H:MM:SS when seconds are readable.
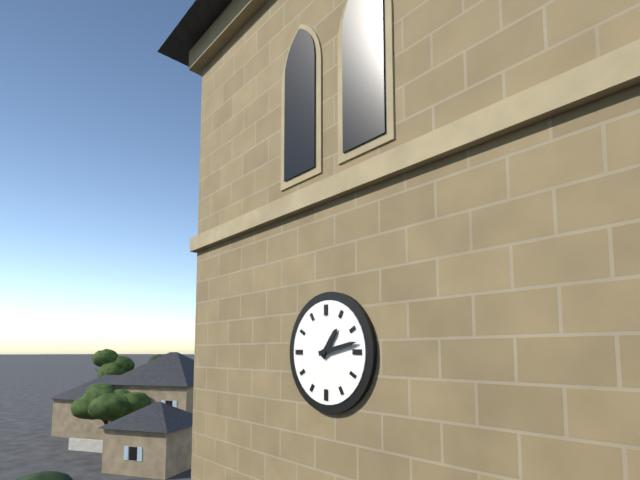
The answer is **1:13**
